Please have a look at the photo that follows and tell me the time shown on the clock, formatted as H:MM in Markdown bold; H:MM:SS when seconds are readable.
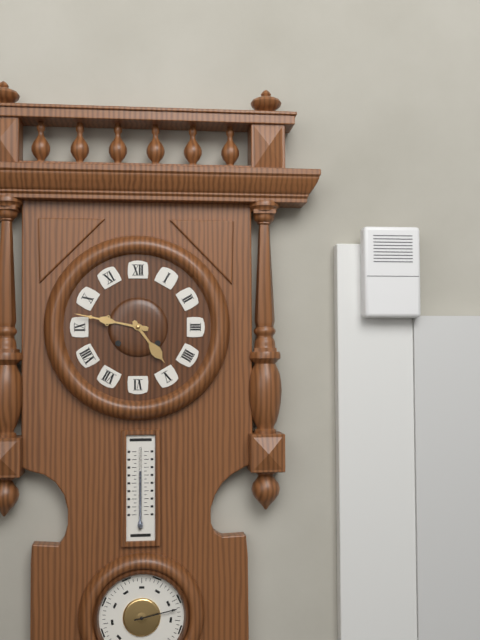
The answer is **4:47**
